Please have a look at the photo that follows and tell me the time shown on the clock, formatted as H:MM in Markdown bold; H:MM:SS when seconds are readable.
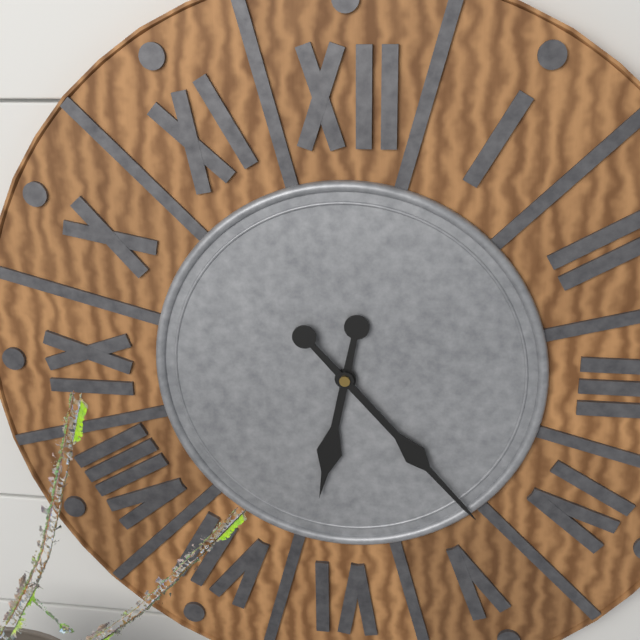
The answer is **6:23**
